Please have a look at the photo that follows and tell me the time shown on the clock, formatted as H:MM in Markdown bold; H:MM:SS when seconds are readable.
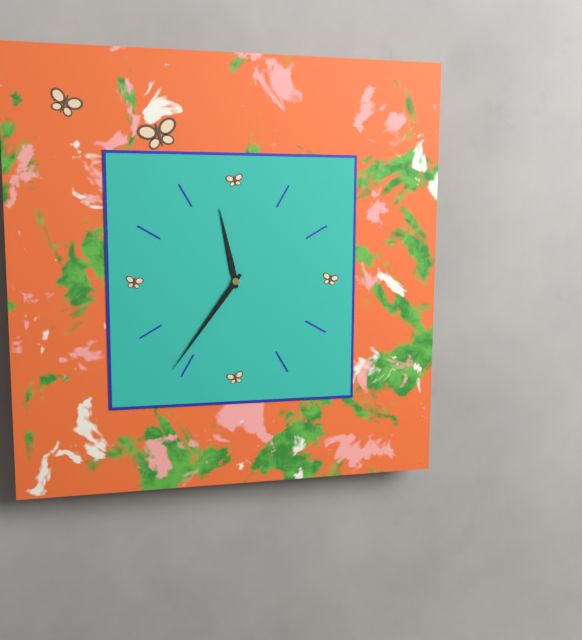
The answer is **11:36**
